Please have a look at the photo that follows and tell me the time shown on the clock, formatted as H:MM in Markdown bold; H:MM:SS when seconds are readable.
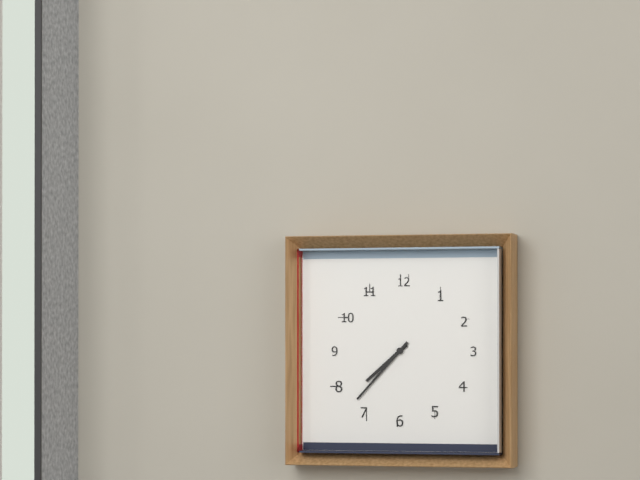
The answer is **7:37**
